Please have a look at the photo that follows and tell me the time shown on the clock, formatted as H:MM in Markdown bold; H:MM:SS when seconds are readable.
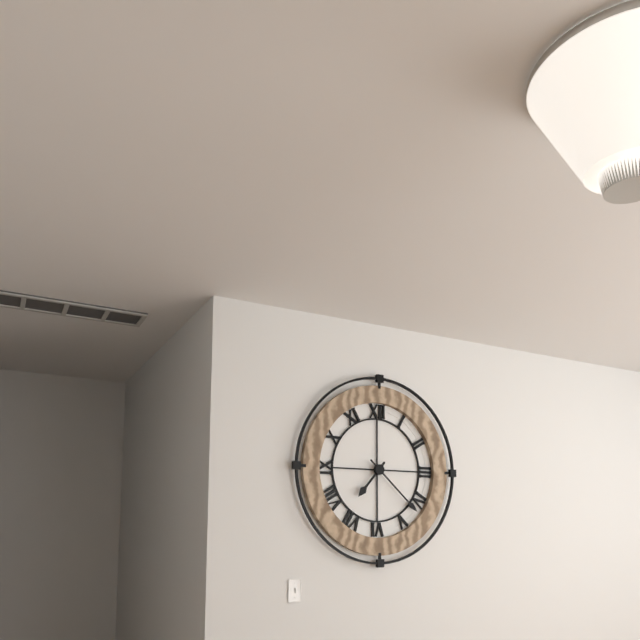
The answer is **7:22**
